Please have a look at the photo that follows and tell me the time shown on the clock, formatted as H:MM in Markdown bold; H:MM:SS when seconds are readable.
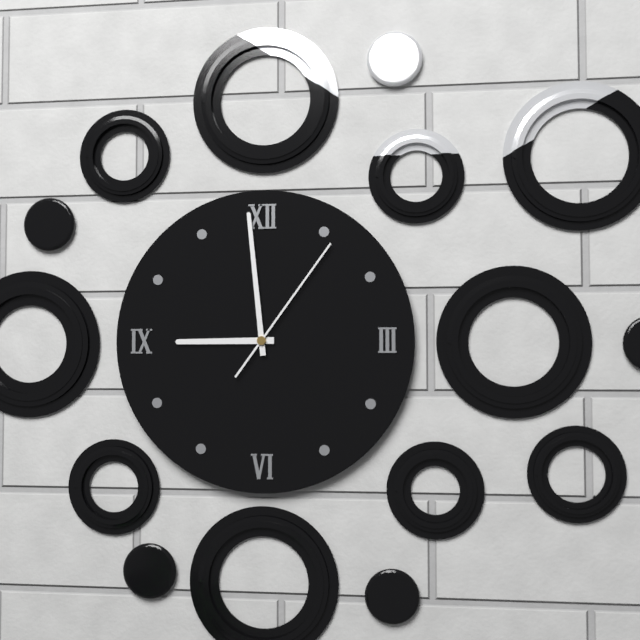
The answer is **8:59:06**
